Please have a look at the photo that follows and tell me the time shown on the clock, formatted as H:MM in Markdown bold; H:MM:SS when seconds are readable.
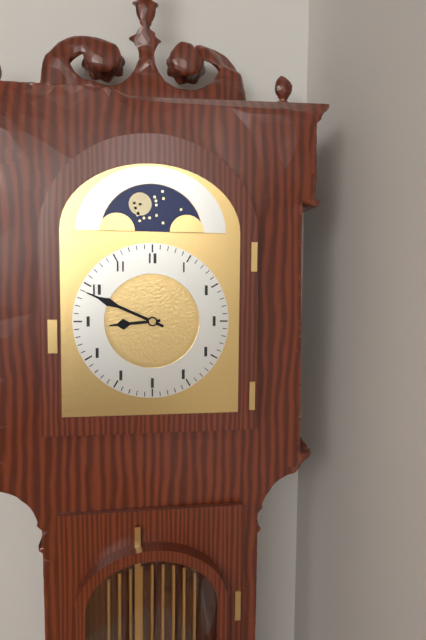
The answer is **8:49**
